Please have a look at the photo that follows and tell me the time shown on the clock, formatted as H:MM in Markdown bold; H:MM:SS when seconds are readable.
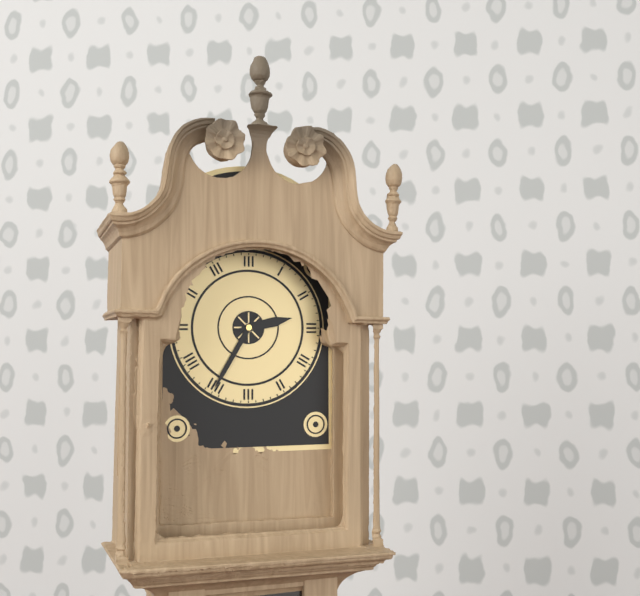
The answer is **2:35**
